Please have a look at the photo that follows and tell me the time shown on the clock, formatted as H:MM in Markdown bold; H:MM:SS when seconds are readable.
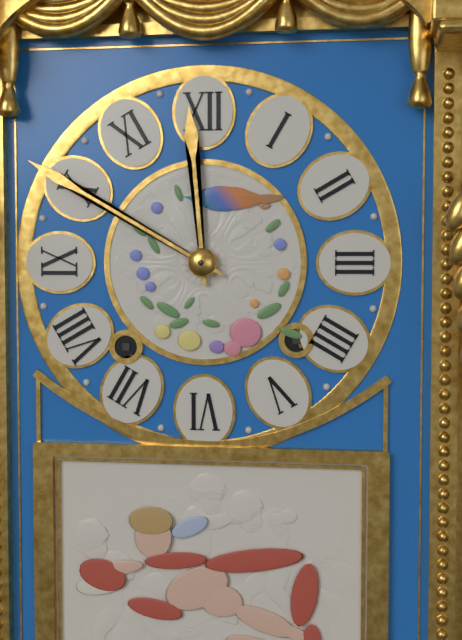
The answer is **11:50**
